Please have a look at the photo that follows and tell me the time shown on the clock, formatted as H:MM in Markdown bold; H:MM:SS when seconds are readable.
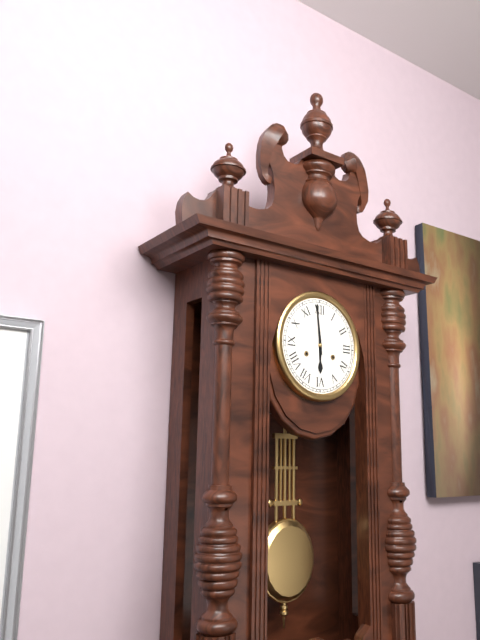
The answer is **5:59**
